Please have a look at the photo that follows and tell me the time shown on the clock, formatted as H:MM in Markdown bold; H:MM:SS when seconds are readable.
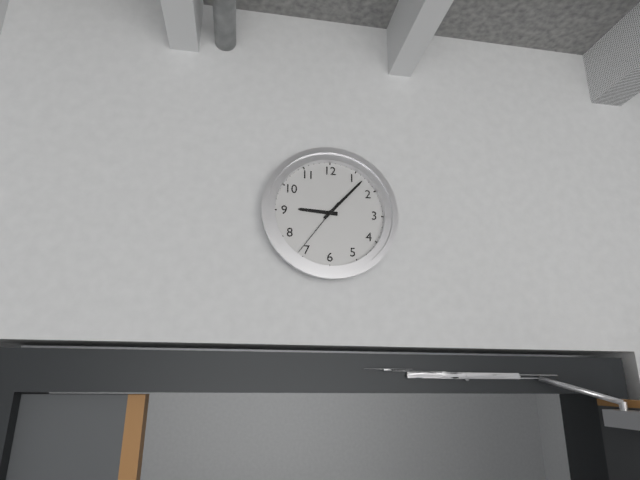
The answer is **9:07:36**
